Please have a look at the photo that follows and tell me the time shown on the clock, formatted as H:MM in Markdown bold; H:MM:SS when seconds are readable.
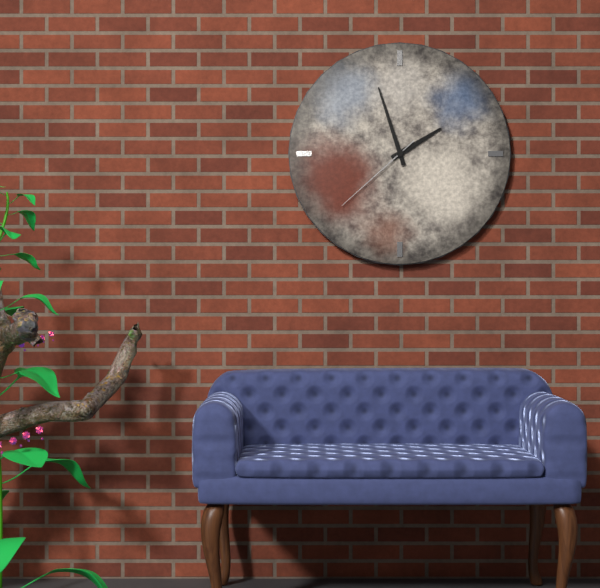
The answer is **1:57:38**
